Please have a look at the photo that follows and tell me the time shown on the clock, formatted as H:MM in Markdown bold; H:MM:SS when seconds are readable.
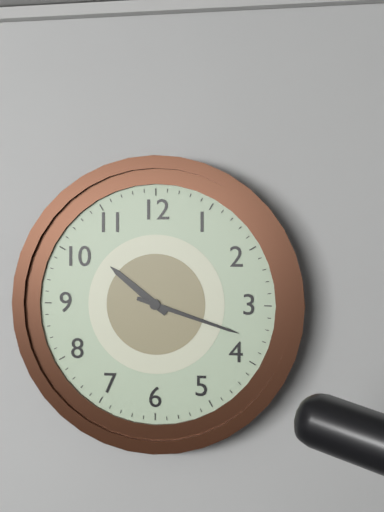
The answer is **10:18**
